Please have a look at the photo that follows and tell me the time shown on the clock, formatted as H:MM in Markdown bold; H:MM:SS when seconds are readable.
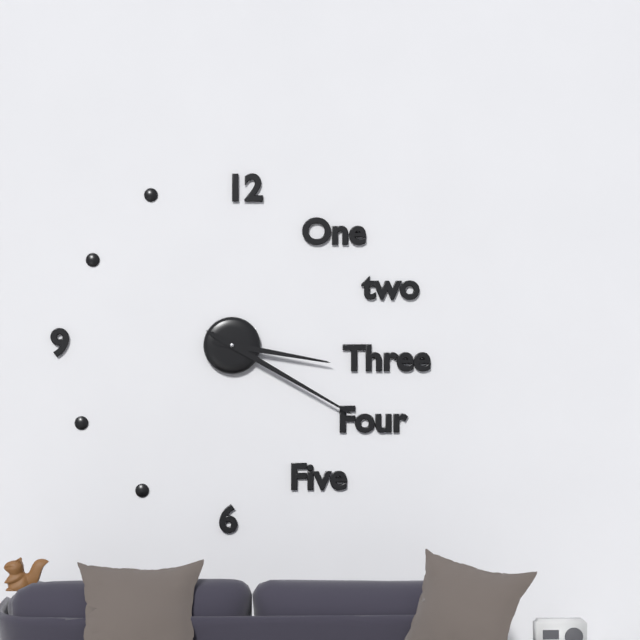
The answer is **3:20**
